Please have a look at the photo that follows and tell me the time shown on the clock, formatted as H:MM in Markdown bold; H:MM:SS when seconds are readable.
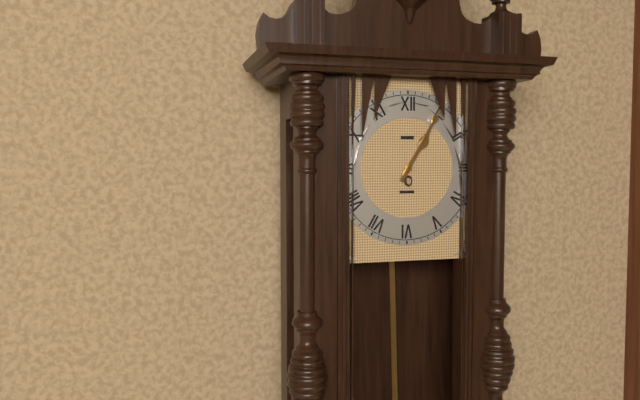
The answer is **1:05**
